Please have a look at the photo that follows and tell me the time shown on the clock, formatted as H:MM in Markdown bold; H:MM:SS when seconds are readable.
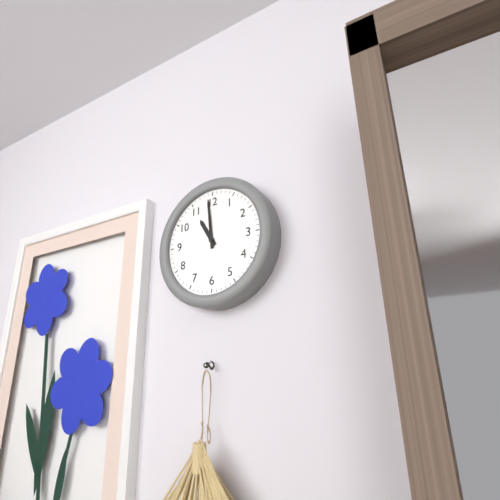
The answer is **10:59**
